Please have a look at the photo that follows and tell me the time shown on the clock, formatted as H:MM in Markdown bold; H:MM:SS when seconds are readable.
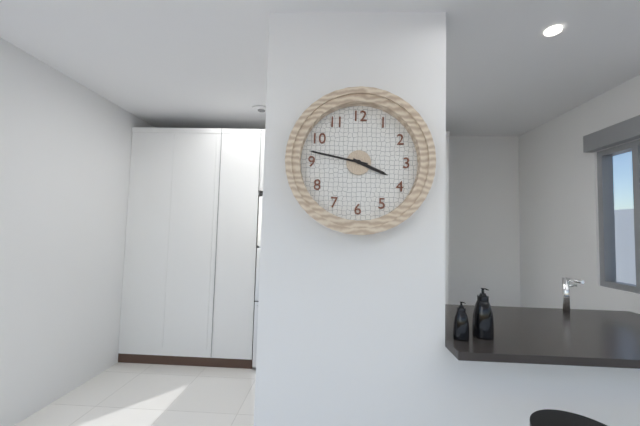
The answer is **3:47**
